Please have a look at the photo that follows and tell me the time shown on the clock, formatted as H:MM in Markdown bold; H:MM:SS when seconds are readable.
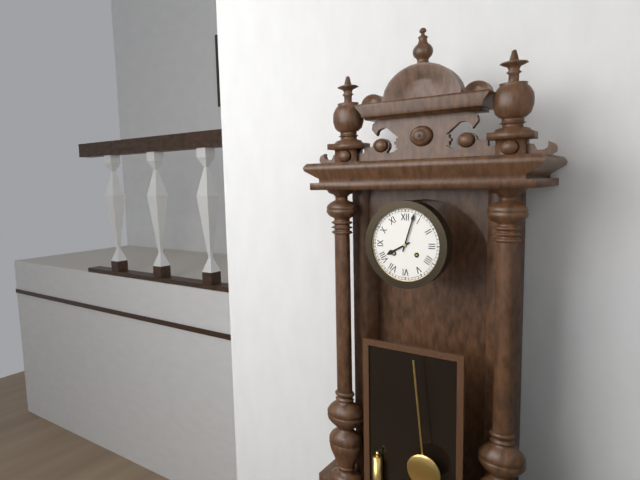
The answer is **8:03**
